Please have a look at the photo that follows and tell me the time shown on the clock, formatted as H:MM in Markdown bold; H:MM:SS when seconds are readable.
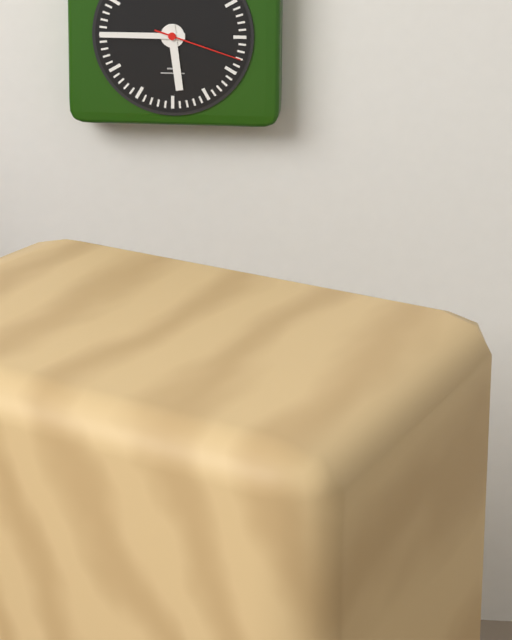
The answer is **5:45:18**
